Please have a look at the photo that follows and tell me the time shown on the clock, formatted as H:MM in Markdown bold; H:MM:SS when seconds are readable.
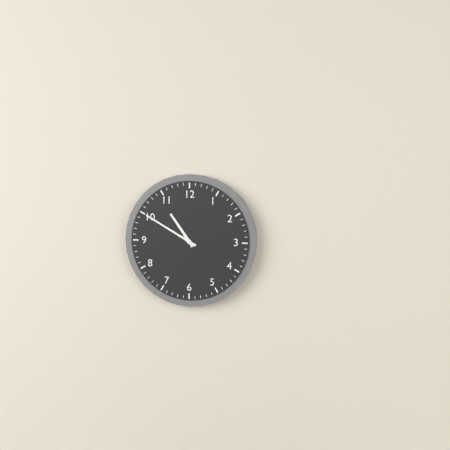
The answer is **10:50**
